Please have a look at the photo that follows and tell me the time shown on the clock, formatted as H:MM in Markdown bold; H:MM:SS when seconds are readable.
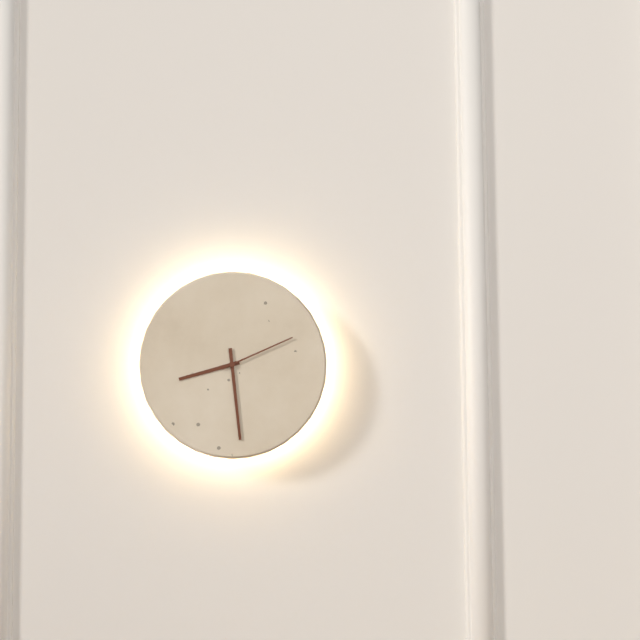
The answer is **8:29:11**
